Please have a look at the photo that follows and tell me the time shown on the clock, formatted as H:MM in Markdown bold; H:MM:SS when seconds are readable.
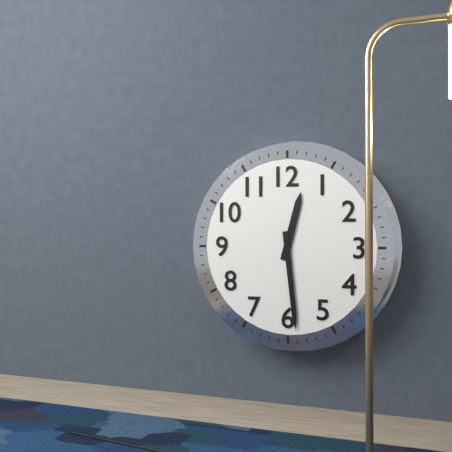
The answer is **12:29**
